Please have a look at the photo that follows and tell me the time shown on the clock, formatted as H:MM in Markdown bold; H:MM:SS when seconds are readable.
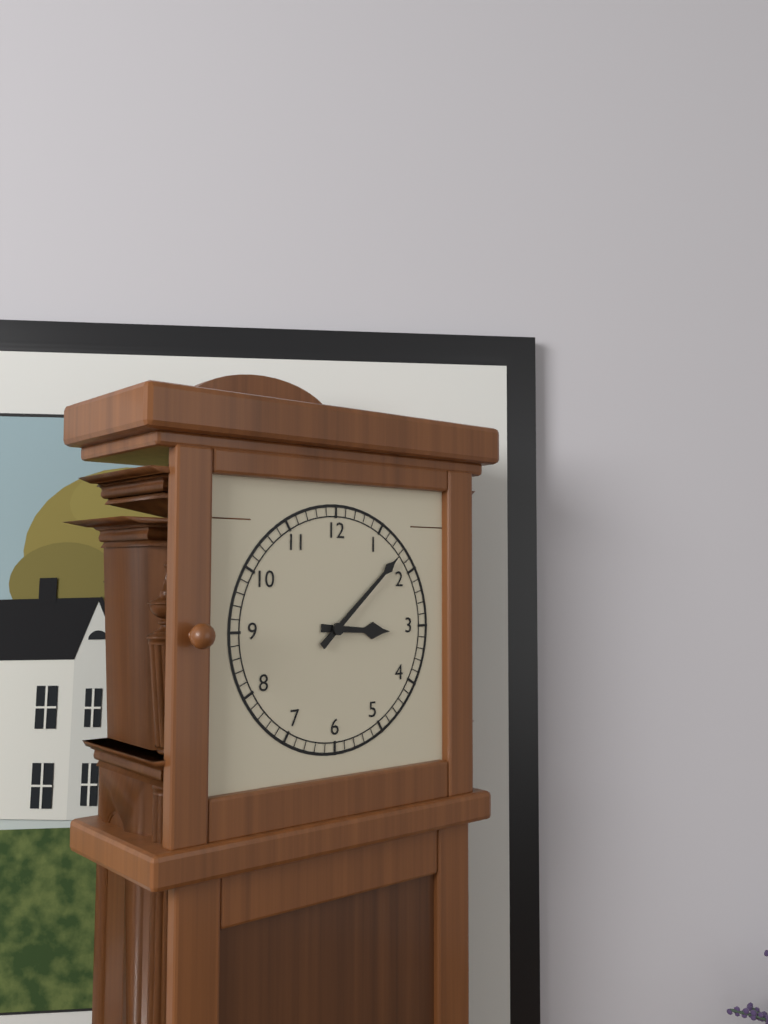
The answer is **3:08**
